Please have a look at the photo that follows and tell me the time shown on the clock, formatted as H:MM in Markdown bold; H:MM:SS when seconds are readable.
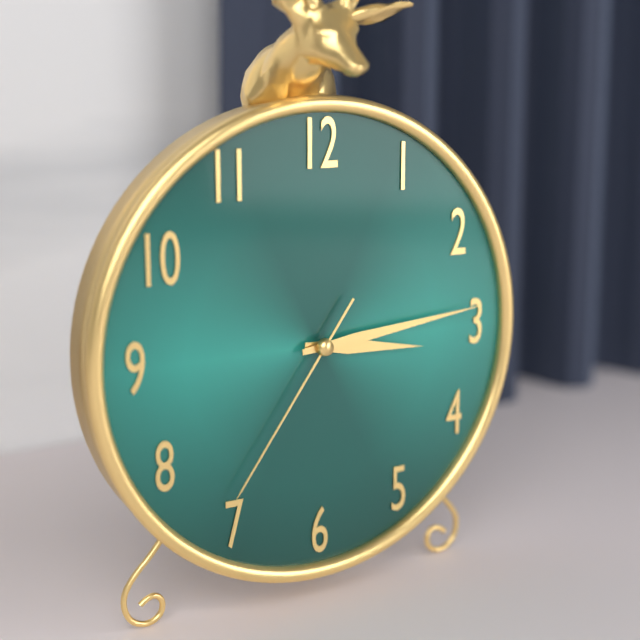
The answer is **3:14:36**
